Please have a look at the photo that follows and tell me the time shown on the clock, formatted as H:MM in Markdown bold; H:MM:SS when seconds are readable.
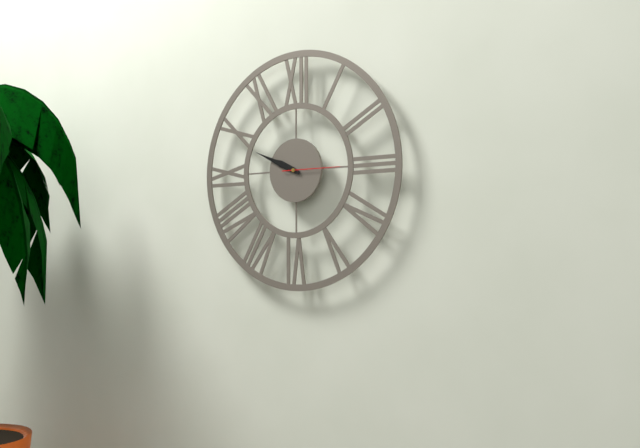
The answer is **9:49:15**
